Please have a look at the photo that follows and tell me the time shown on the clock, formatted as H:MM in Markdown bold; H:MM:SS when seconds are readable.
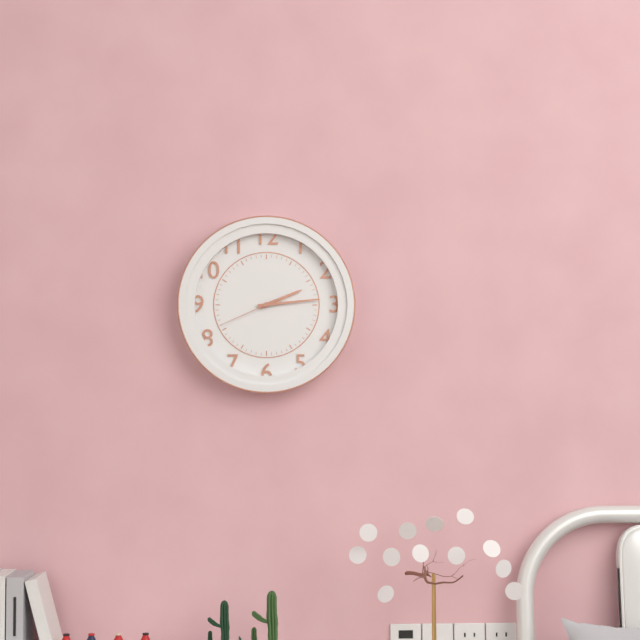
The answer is **2:14:41**
